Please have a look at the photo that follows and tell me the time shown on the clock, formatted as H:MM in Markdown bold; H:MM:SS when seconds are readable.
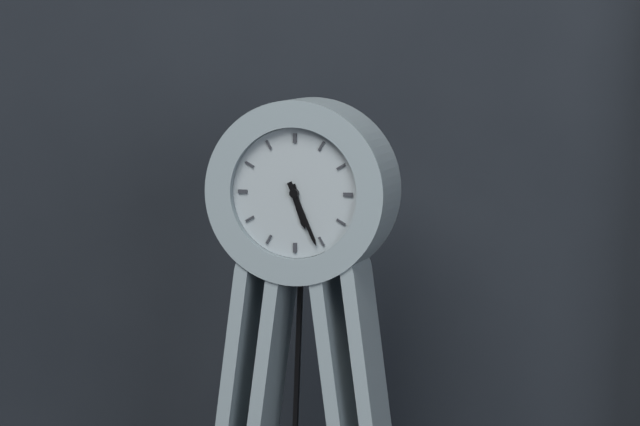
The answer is **5:26**
